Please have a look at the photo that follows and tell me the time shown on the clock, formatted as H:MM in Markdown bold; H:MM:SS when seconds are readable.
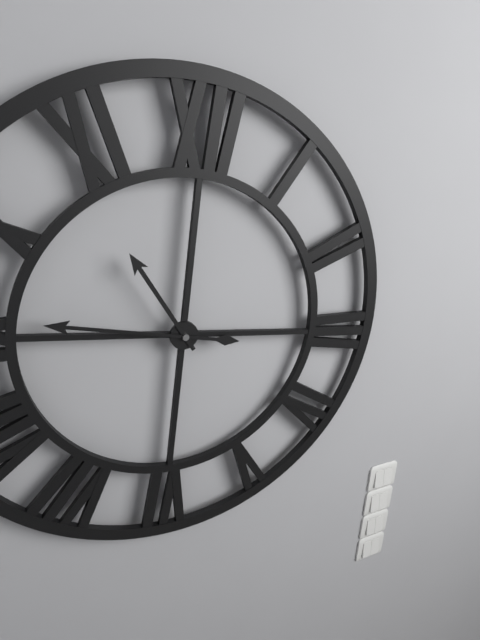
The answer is **10:46**
